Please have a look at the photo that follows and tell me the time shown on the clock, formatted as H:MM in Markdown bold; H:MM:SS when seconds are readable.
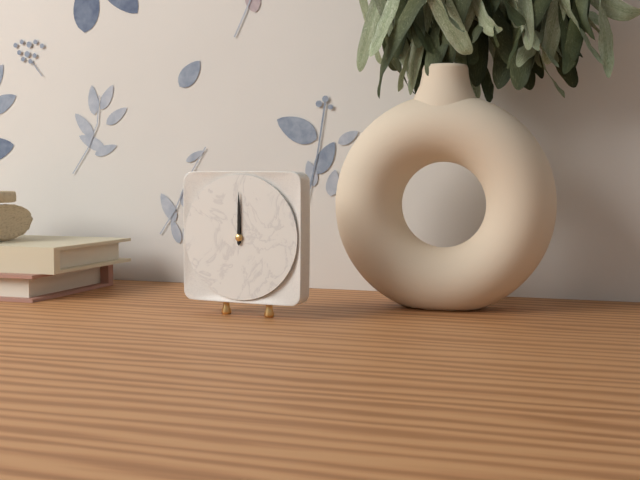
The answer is **12:00**
